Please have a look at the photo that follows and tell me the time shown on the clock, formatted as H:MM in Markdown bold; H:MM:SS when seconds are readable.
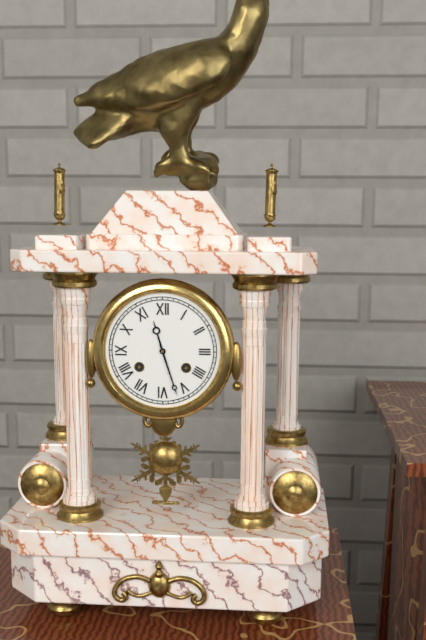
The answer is **11:27**
